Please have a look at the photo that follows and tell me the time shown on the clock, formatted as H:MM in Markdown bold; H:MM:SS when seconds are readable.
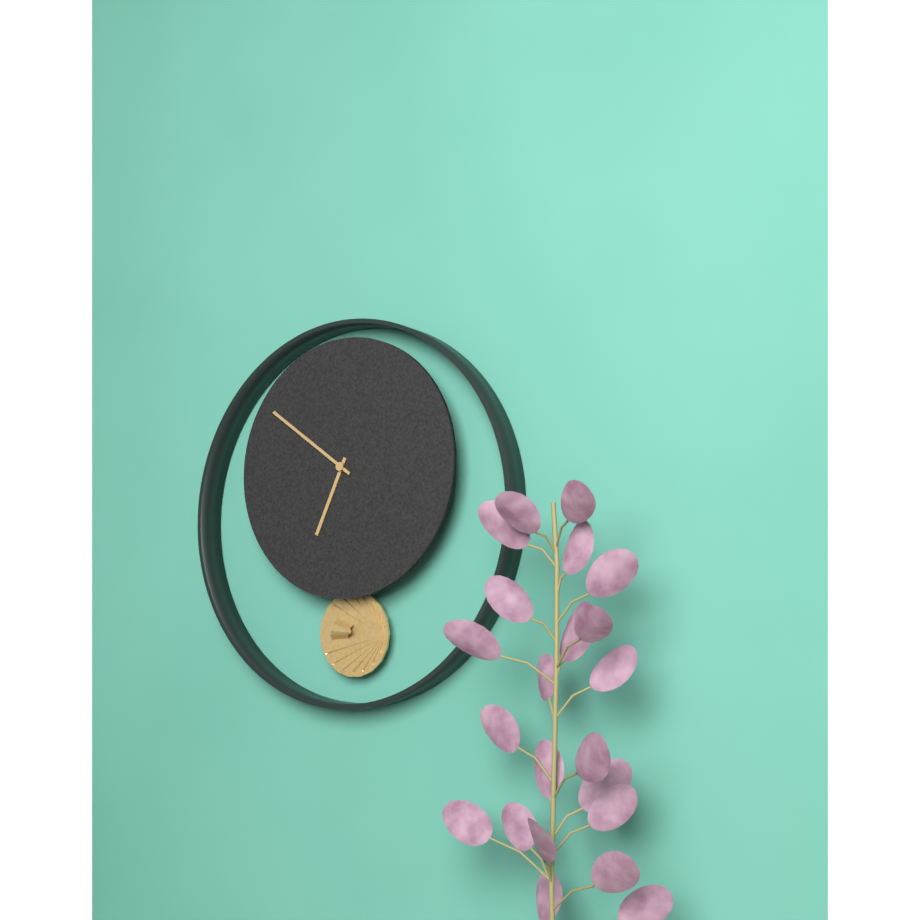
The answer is **6:51**
